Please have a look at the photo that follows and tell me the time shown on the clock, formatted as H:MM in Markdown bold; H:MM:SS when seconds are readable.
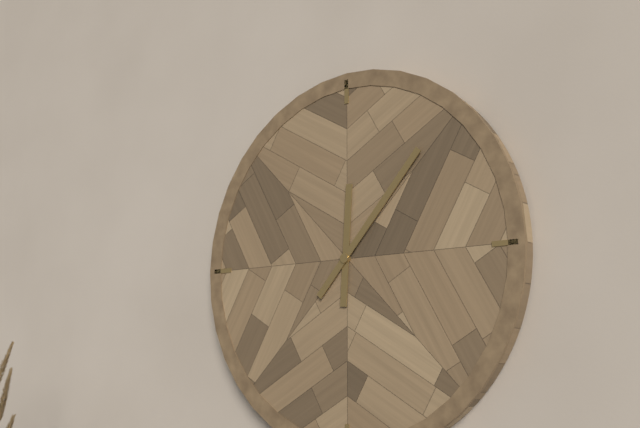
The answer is **12:07**
